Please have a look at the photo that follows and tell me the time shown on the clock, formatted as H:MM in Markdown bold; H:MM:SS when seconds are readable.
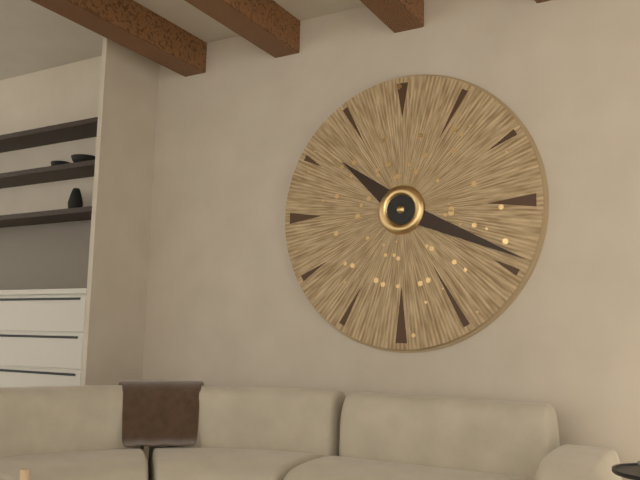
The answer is **10:19**
